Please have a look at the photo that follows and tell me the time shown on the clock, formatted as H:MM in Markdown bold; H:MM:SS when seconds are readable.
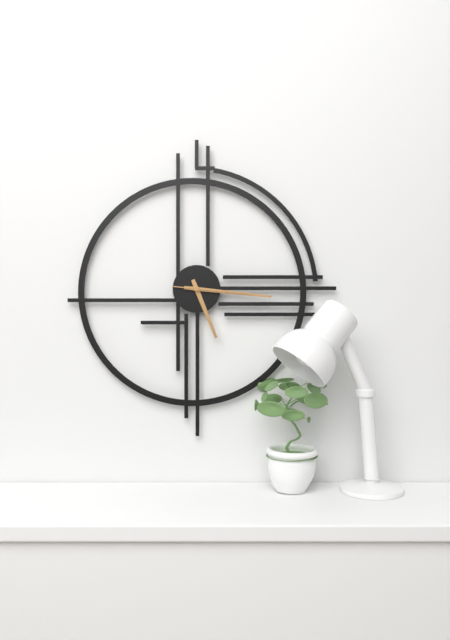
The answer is **5:16:16**
